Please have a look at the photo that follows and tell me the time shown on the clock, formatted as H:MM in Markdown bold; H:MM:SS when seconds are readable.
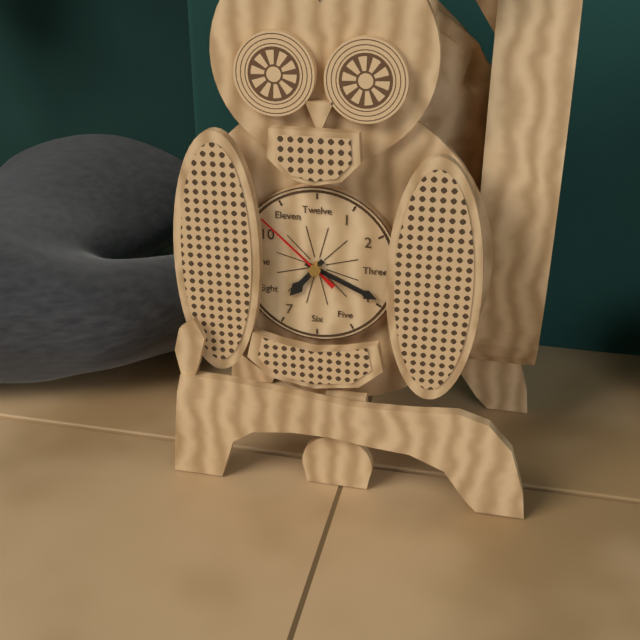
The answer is **7:19:52**
